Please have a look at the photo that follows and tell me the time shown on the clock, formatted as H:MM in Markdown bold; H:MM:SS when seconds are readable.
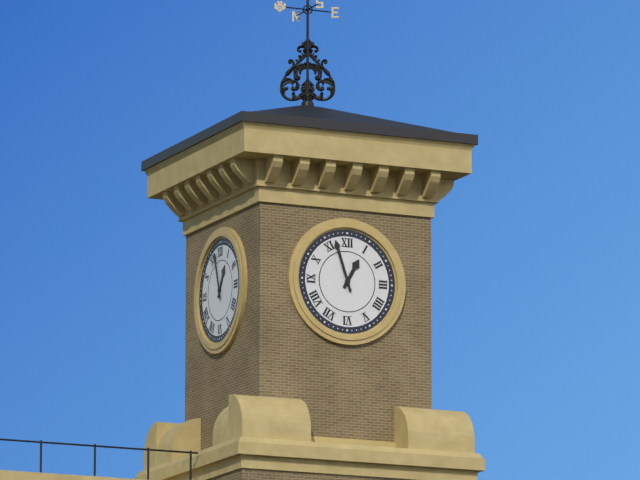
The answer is **12:57**
